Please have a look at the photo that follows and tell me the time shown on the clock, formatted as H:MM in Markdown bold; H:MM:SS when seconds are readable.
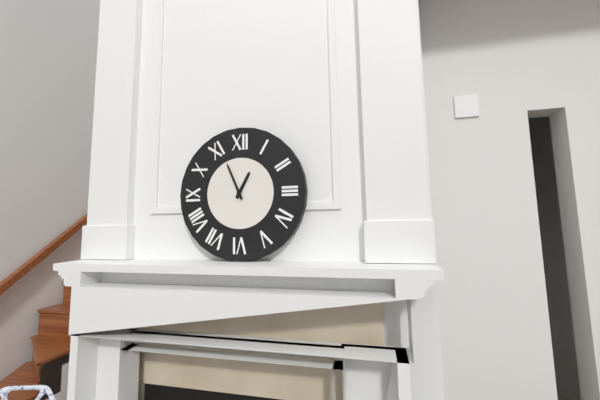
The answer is **12:56**
